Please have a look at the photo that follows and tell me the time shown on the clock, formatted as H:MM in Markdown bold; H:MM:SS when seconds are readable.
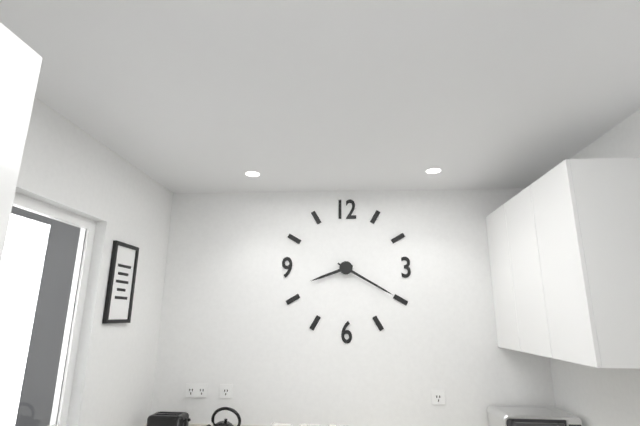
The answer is **8:20**
